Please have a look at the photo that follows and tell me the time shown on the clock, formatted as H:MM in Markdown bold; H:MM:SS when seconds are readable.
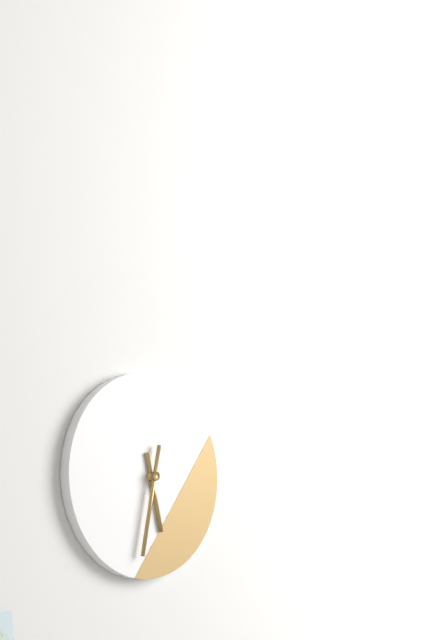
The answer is **5:32**
